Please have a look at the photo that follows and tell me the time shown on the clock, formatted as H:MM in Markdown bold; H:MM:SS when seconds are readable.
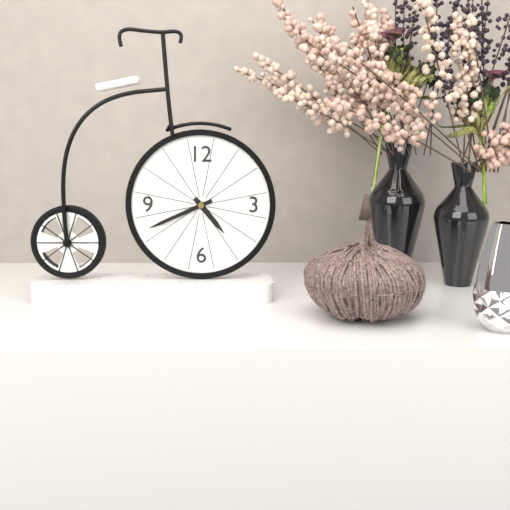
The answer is **4:41**
